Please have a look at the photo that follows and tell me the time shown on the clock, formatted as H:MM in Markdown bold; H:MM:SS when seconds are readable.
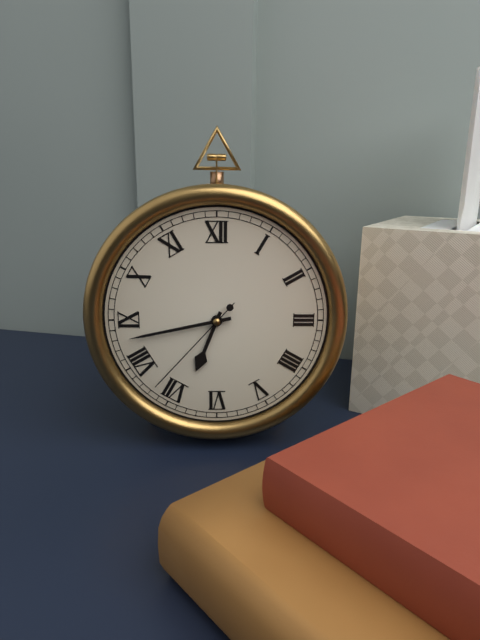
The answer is **6:43:37**
